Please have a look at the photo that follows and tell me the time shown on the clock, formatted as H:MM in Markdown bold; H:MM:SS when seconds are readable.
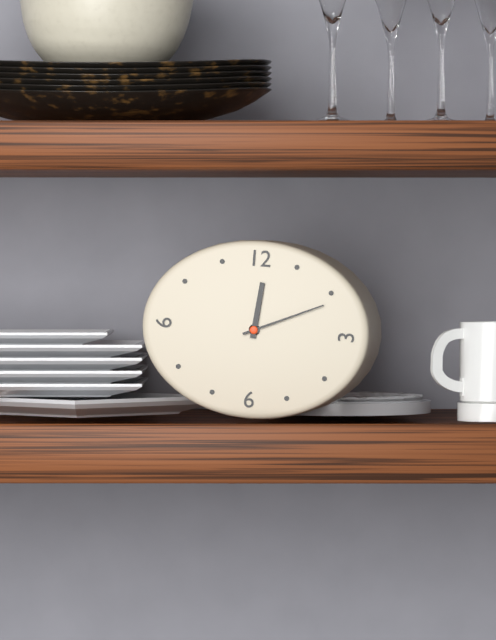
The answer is **12:11**
